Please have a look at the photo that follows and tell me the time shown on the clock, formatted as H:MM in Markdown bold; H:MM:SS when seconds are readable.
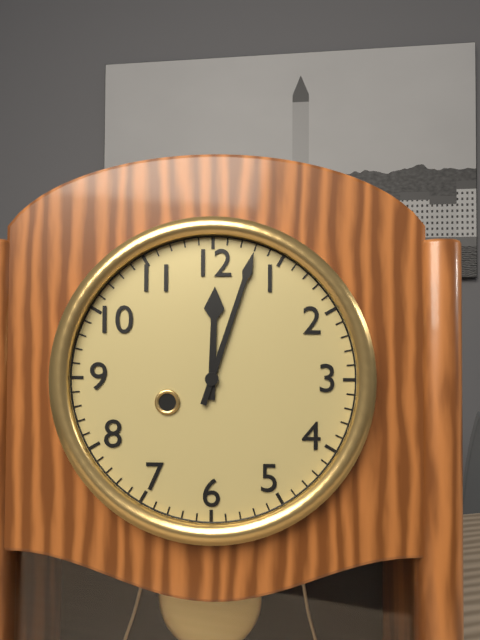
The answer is **12:03**
